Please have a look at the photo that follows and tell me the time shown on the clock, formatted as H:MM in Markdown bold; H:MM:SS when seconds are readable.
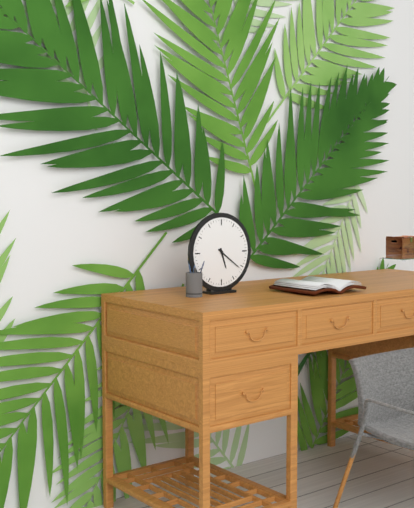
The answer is **5:21**
